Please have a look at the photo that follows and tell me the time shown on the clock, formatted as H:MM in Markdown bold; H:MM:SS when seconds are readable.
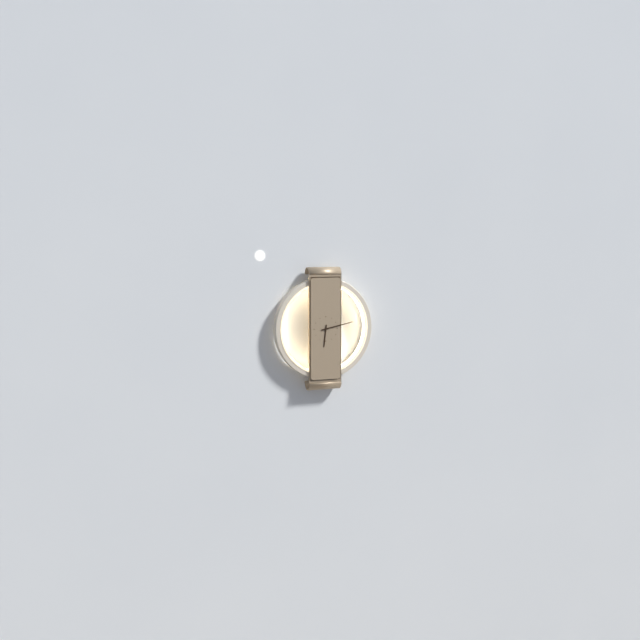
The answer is **6:13**
